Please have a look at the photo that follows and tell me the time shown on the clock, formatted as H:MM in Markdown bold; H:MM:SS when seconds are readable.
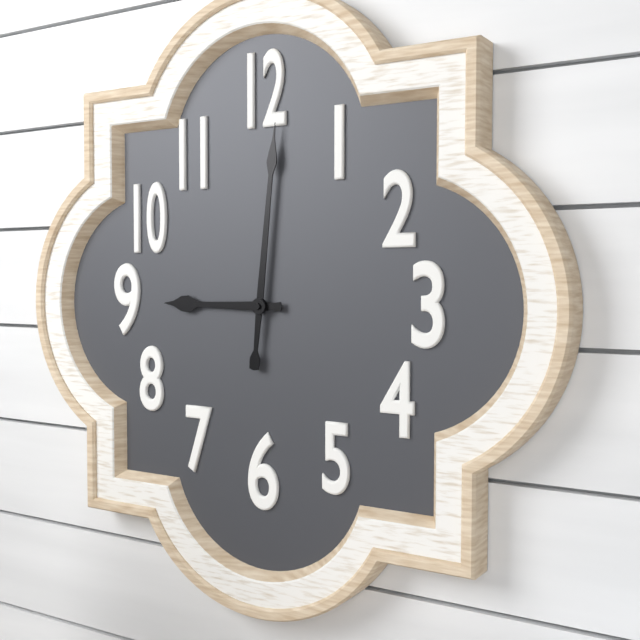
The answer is **9:01**
